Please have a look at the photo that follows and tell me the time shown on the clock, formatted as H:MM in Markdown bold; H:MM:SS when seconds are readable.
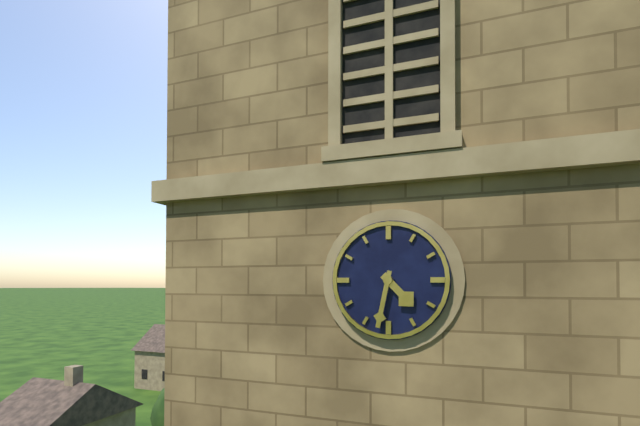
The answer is **4:32**
